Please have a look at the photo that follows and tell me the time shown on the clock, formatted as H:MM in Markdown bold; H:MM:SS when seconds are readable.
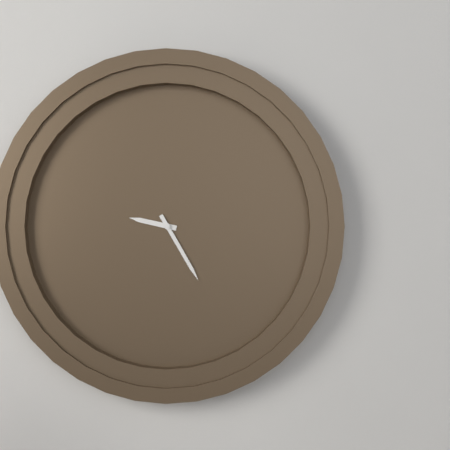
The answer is **9:25**
